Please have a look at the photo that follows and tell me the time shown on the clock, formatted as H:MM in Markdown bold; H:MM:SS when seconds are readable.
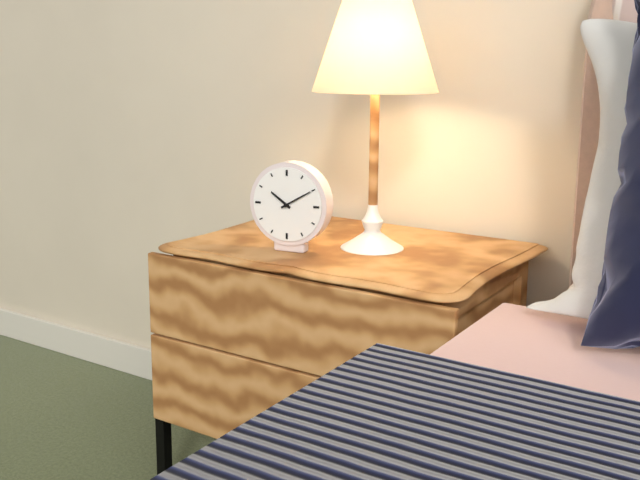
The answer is **10:10**
